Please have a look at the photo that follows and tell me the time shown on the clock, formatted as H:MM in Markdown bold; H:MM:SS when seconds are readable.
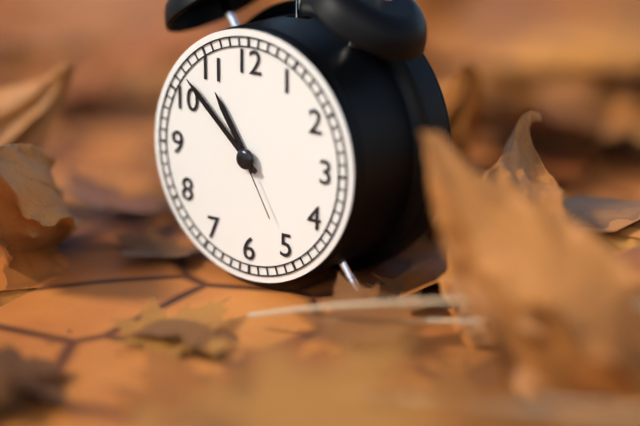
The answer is **10:52:25**
